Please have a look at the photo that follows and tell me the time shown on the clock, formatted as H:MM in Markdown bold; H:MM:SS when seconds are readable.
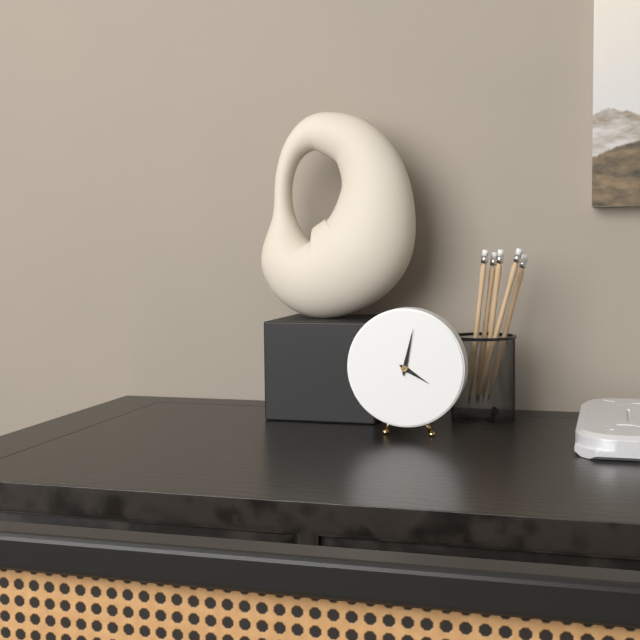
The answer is **4:02**
